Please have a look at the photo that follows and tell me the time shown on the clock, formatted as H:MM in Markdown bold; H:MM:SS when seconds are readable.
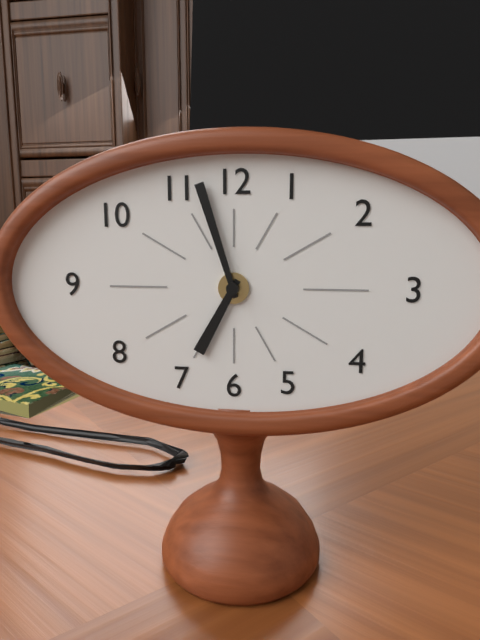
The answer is **6:57**
